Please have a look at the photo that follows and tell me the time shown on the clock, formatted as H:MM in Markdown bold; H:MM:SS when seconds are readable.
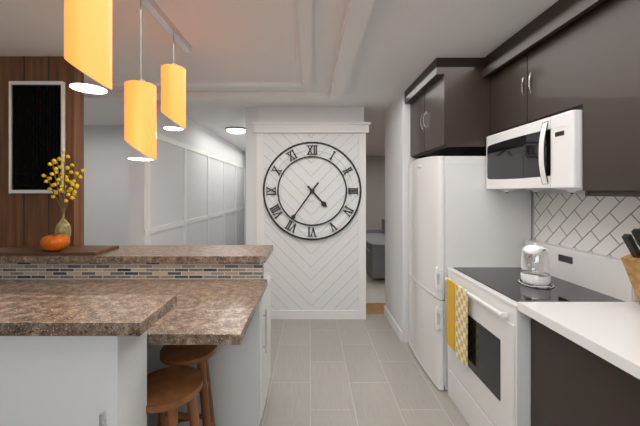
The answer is **4:36**
